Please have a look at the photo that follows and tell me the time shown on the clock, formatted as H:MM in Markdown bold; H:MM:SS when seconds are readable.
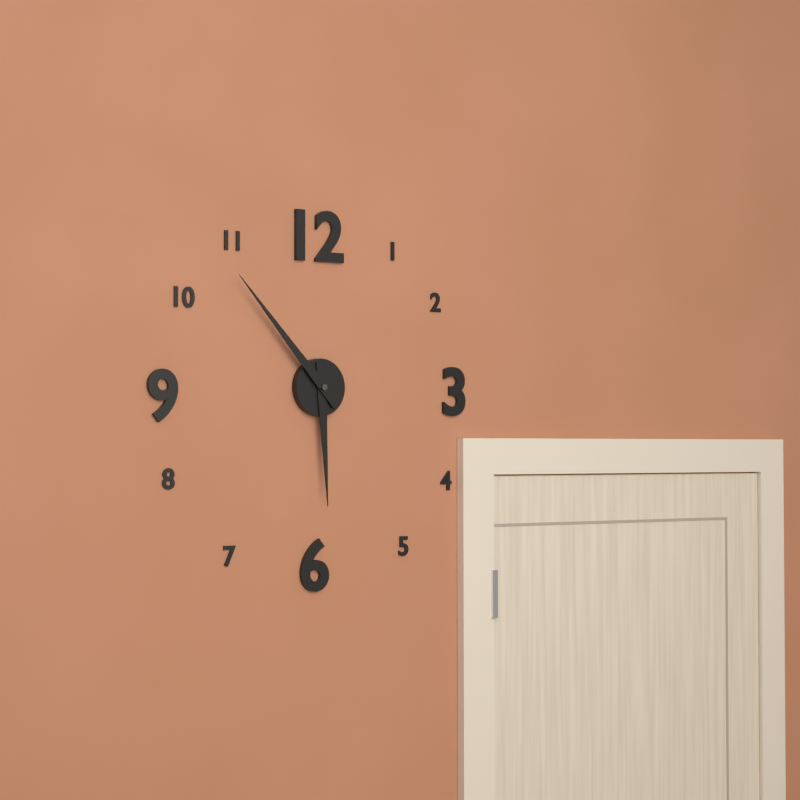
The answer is **5:53**
